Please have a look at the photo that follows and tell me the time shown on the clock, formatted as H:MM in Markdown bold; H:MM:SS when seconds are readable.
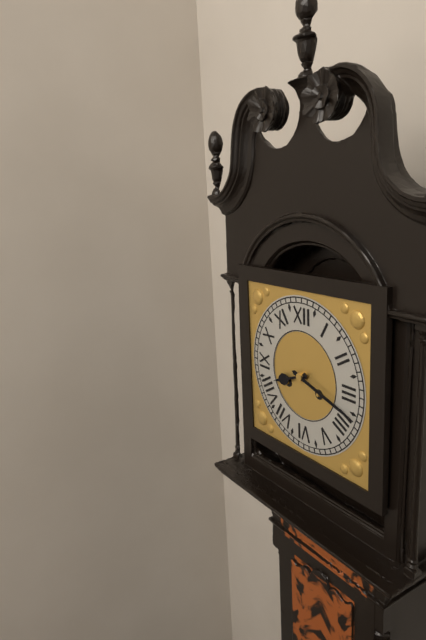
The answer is **8:18**
